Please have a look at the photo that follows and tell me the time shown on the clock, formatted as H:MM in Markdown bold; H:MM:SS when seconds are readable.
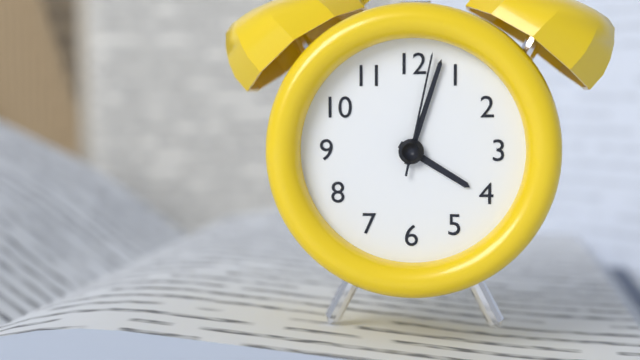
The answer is **4:03:02**
